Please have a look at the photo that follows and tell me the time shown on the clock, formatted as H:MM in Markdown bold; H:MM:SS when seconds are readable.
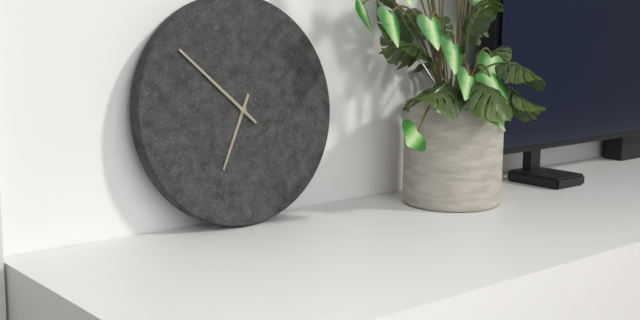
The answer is **6:52**
